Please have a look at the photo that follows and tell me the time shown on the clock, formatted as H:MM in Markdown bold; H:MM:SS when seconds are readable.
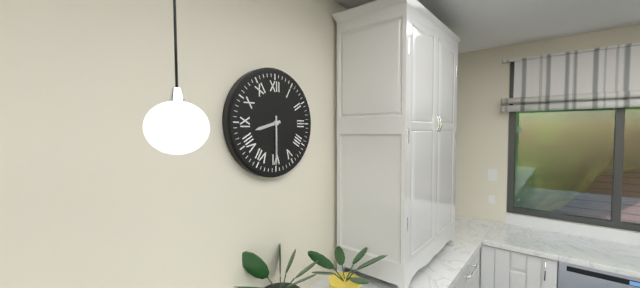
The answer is **8:30**
